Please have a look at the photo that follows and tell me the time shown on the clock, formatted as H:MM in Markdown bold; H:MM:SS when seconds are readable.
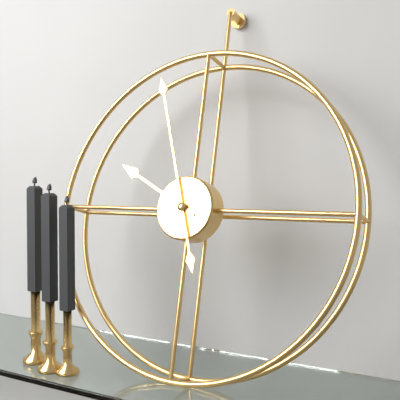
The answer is **9:57**
